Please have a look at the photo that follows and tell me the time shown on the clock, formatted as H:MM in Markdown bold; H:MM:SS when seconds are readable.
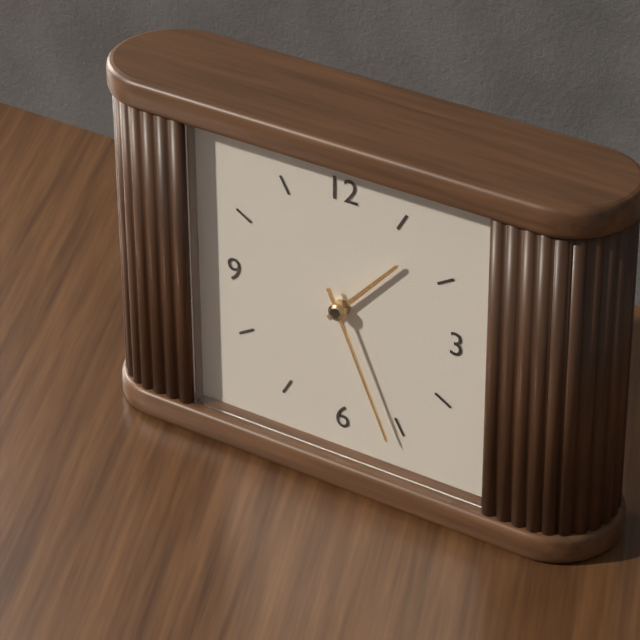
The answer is **1:26**
